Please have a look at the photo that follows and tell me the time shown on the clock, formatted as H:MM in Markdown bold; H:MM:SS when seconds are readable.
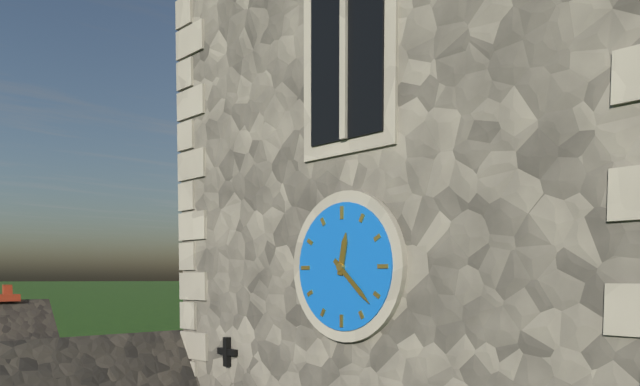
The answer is **12:22**
